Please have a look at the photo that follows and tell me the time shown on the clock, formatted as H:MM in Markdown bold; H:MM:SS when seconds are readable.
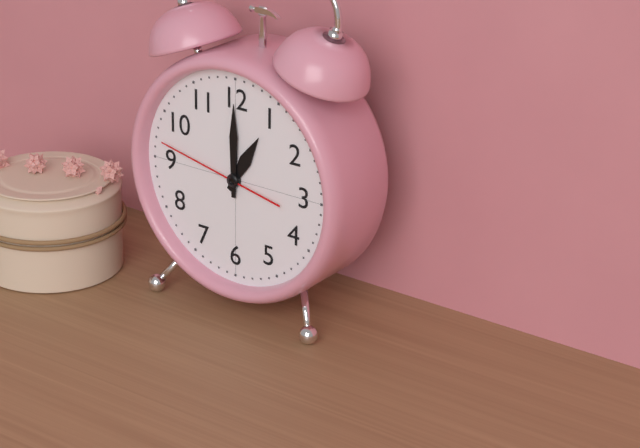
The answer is **1:00:47**
